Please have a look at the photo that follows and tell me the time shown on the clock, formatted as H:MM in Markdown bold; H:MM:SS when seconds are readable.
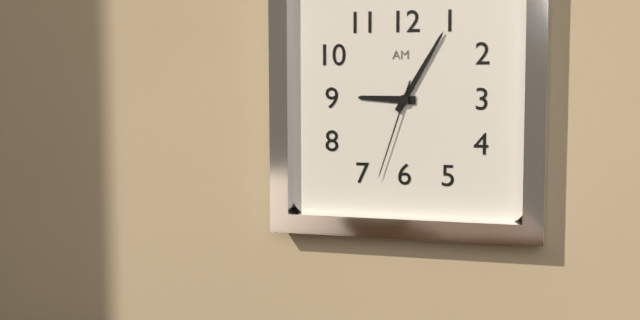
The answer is **9:05:33**
